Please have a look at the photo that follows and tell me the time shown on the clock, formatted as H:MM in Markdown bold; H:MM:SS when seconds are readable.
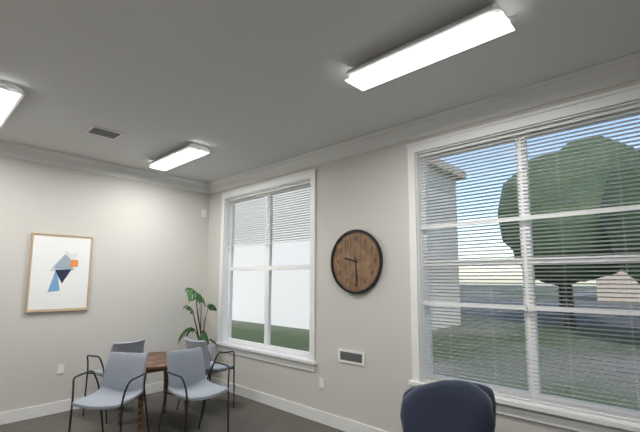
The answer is **9:29**
